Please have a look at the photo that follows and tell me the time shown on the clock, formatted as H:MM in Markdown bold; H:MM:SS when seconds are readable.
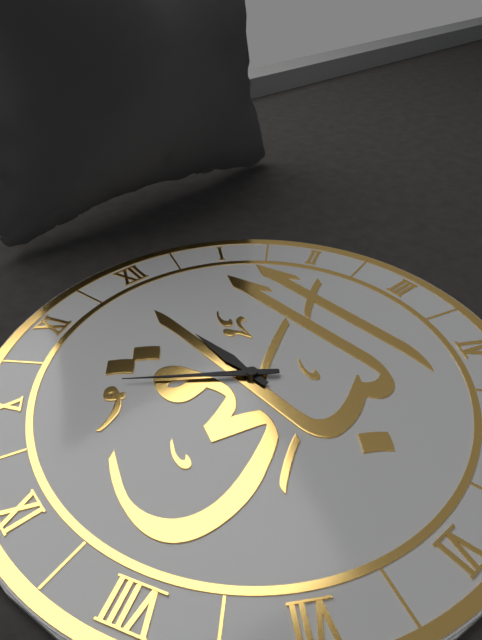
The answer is **11:51**
